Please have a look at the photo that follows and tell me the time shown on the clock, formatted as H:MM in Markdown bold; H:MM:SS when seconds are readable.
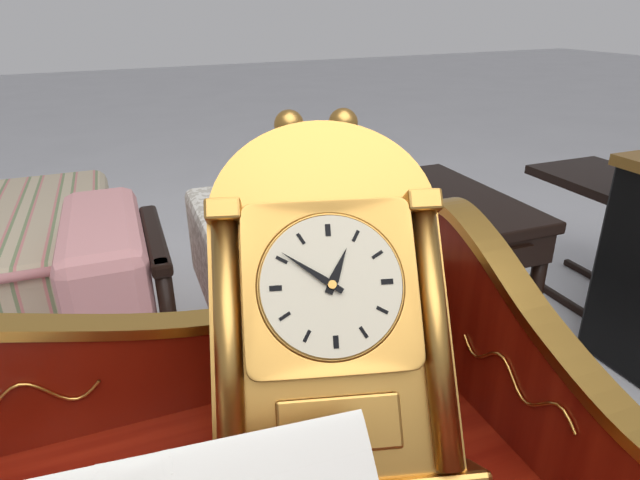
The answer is **12:51**
